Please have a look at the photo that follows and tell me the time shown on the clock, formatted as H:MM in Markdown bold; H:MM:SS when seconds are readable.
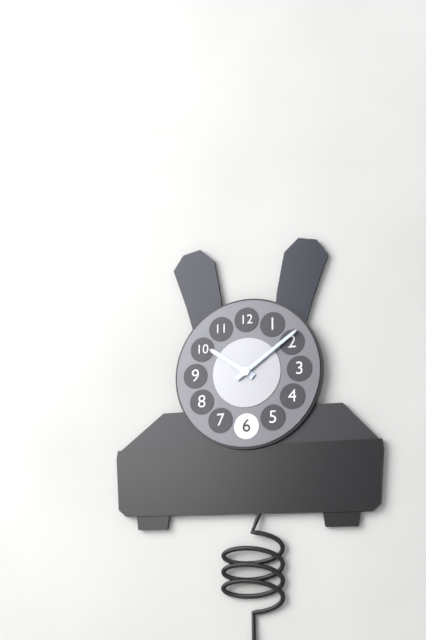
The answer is **10:09**
